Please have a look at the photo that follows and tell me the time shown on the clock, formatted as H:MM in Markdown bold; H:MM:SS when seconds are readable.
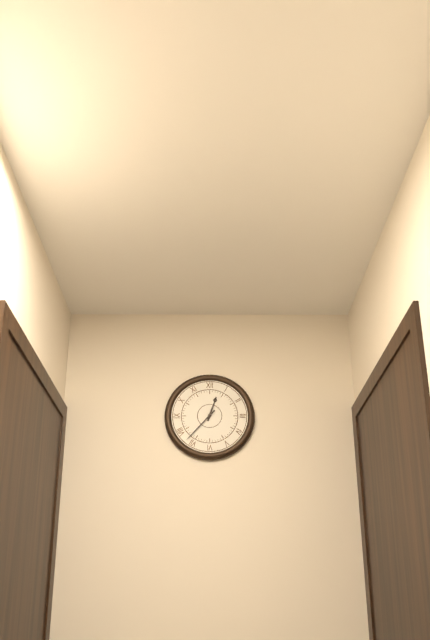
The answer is **12:37**
